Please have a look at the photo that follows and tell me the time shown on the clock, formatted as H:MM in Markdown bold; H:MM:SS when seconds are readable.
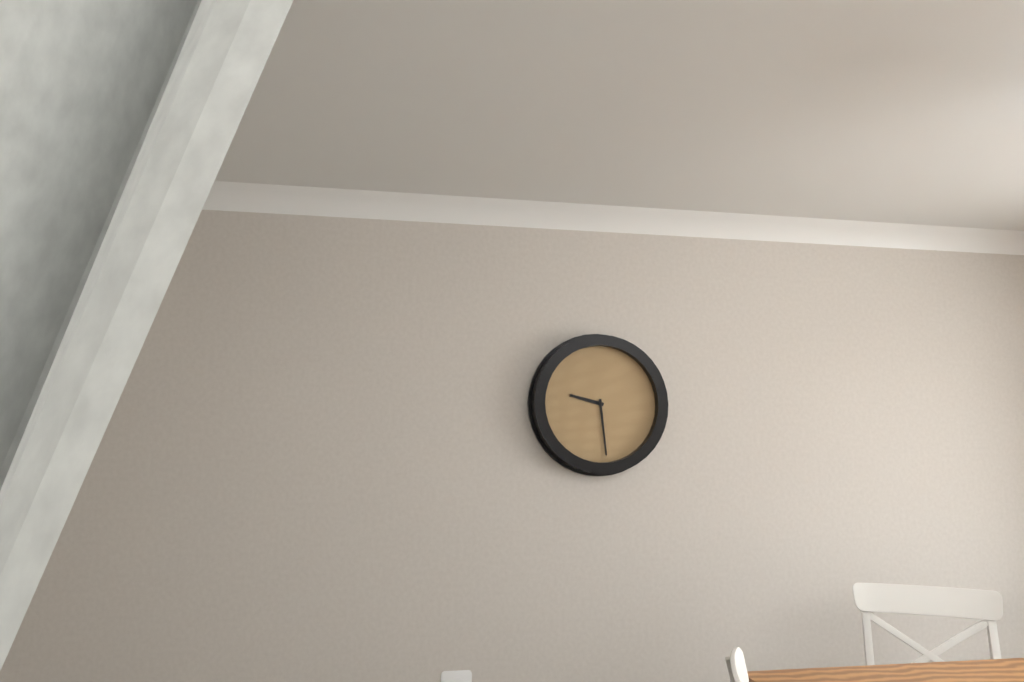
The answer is **9:29**
